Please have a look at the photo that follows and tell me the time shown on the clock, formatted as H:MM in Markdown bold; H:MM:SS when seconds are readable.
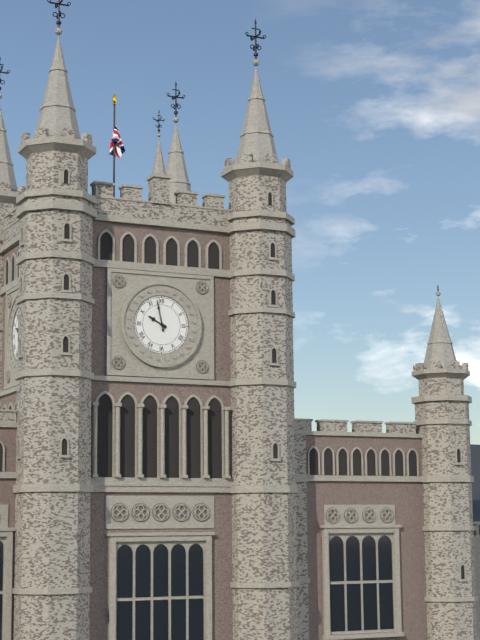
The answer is **9:58**
